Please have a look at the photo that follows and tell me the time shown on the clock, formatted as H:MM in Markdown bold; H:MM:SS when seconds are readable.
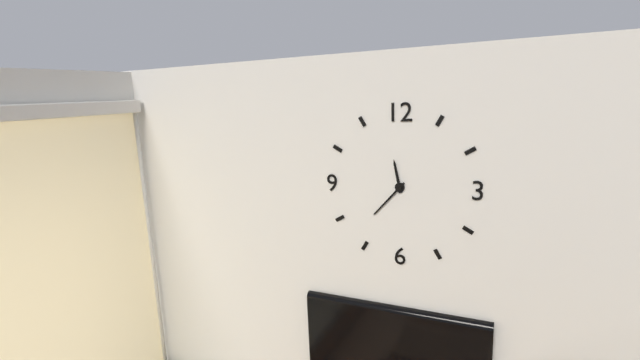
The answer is **11:37**
